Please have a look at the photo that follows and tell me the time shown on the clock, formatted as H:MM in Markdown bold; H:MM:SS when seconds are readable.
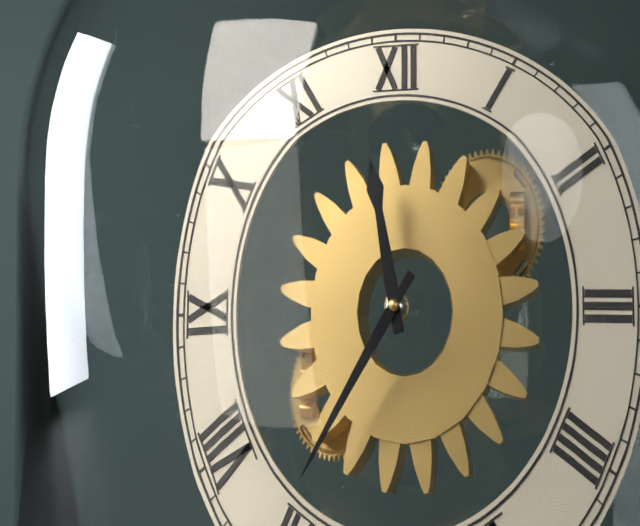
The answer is **11:36**
